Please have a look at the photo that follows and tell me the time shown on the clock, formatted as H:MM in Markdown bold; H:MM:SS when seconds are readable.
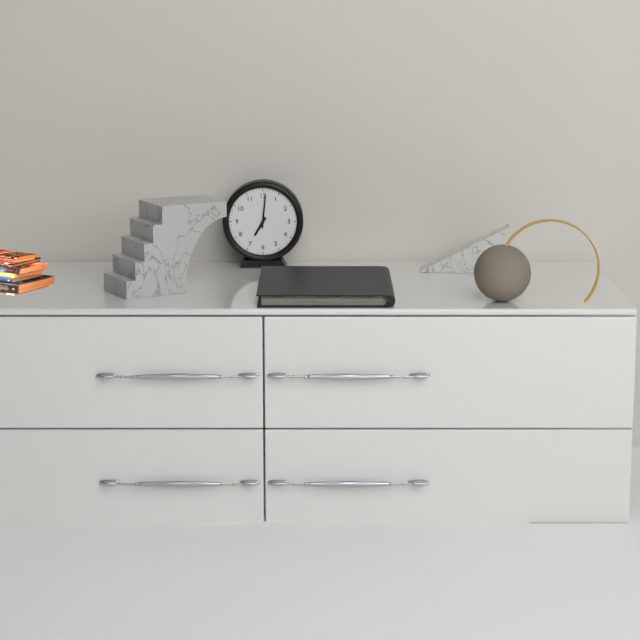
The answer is **7:01**
